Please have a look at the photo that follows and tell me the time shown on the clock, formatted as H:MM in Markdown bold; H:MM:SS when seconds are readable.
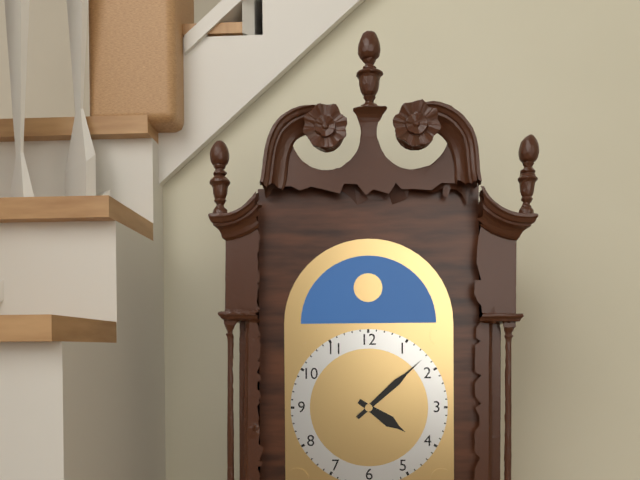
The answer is **4:08**
